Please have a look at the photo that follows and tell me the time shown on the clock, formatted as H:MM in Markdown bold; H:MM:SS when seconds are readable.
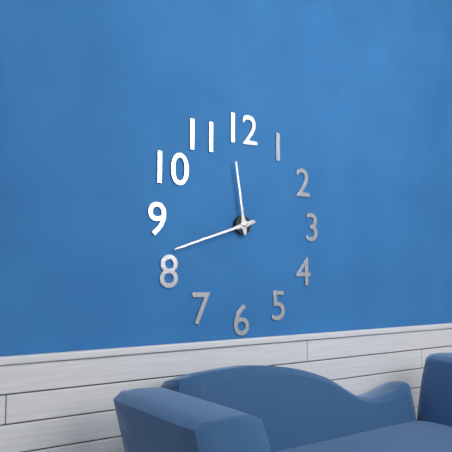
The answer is **11:42**
